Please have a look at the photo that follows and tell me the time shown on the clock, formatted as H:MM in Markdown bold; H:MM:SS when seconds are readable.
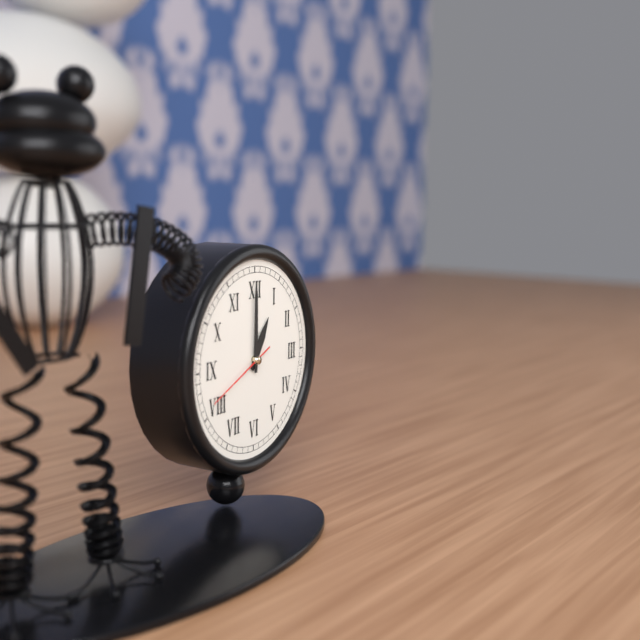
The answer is **1:00:41**
